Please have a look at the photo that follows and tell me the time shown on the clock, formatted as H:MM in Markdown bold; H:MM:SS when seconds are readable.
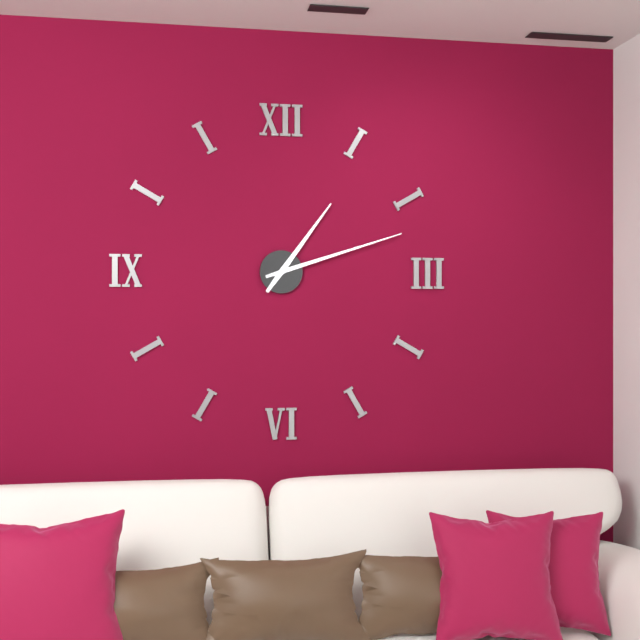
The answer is **1:12**
